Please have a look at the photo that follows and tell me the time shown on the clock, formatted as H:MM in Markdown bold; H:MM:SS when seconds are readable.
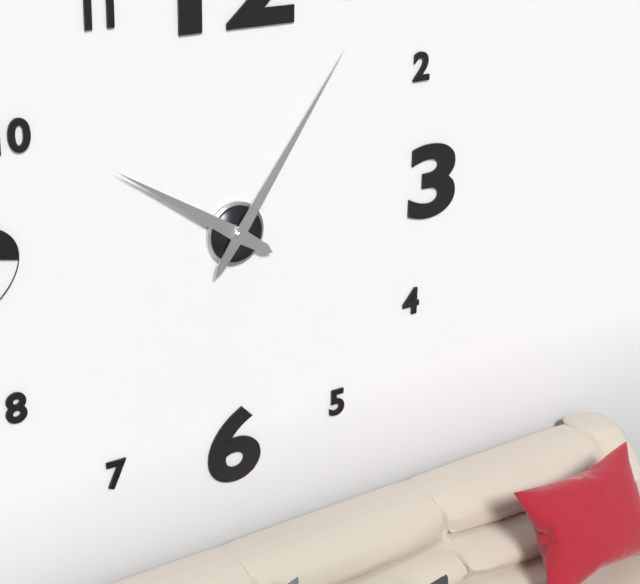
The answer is **10:06**
